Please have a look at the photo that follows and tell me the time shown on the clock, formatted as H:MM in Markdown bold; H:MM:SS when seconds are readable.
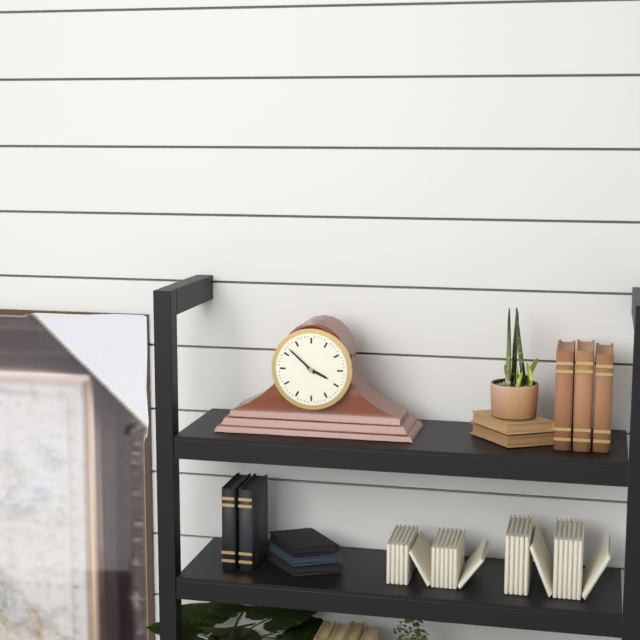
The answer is **3:52**
